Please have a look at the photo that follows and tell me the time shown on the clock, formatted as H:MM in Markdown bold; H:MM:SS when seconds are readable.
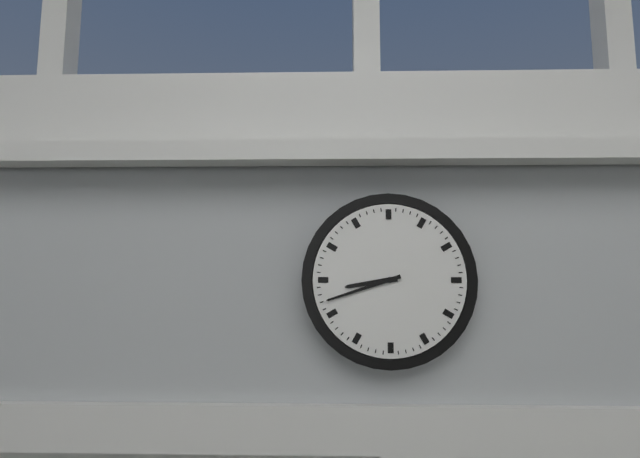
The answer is **8:42**
